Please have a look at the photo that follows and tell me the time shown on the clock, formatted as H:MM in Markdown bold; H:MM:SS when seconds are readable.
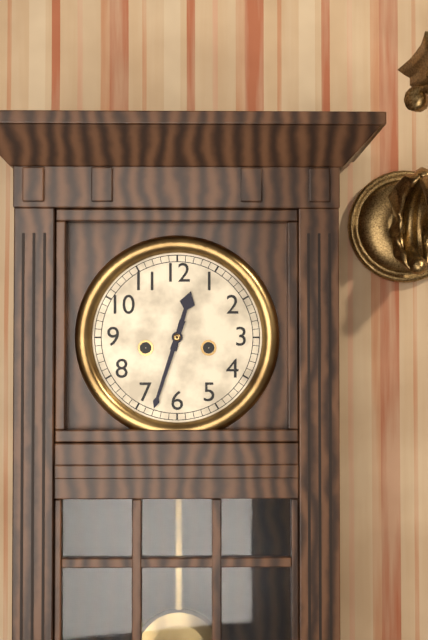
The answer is **12:33**
